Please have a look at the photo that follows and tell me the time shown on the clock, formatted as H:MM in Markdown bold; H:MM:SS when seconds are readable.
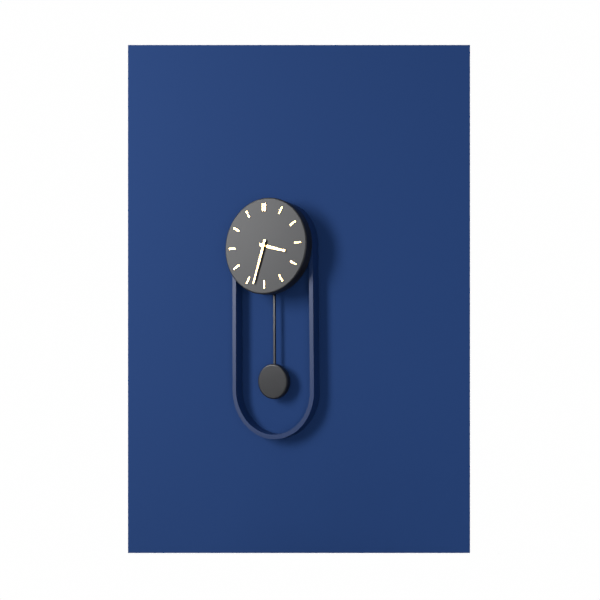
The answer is **3:33**
